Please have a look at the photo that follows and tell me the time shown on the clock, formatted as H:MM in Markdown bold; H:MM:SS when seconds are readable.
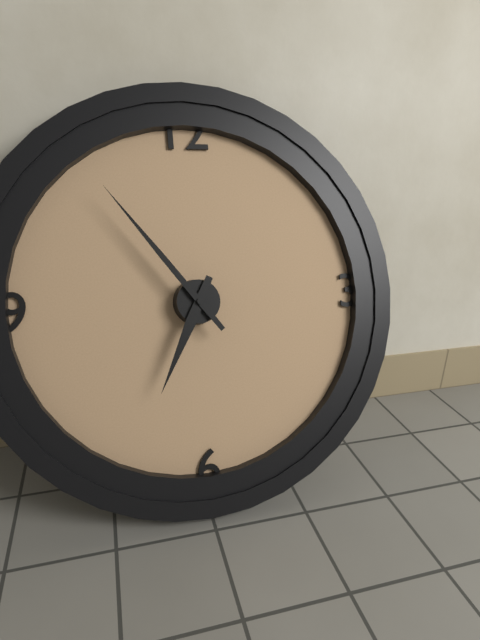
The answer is **6:54**
